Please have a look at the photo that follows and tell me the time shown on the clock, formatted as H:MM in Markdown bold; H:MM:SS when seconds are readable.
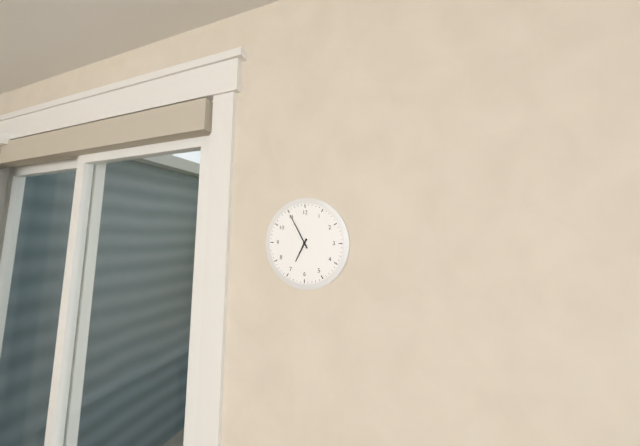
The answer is **6:55**
